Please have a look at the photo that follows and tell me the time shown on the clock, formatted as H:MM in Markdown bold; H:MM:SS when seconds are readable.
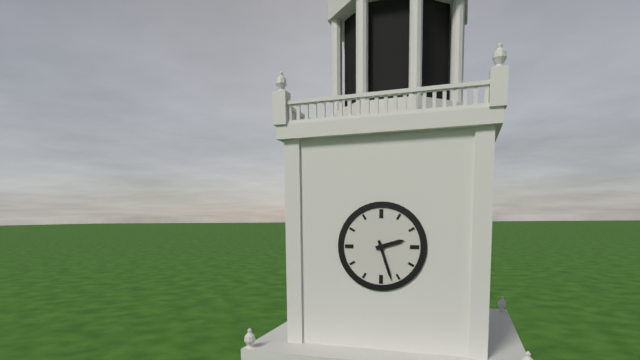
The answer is **2:27**
